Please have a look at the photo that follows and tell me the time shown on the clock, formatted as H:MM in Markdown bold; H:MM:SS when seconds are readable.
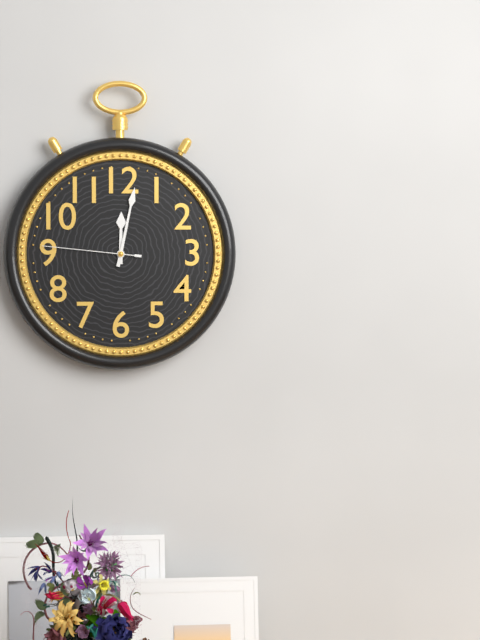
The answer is **12:02:46**
